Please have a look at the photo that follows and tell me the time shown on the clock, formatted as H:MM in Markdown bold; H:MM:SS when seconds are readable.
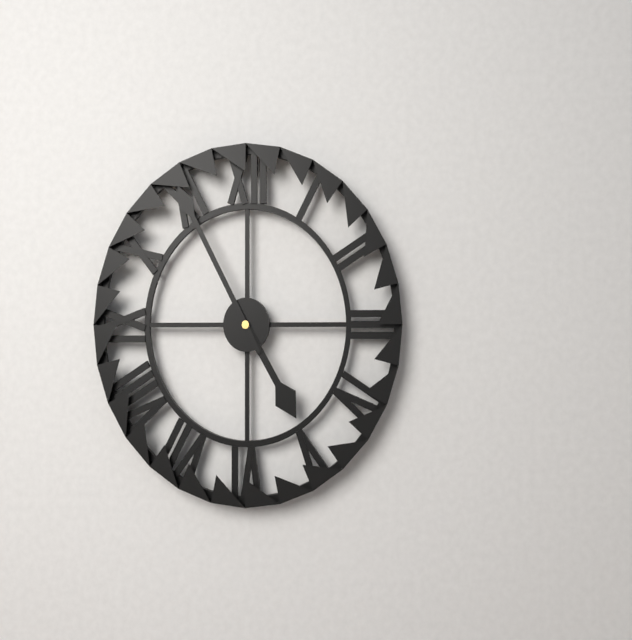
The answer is **4:55**
